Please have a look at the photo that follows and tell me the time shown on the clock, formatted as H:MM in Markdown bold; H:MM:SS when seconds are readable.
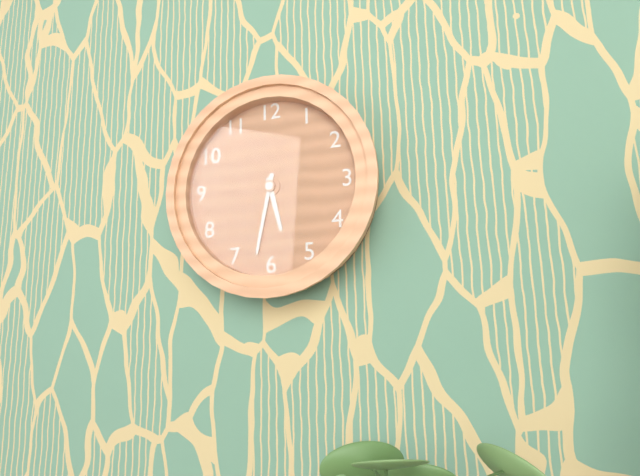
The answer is **5:32**
